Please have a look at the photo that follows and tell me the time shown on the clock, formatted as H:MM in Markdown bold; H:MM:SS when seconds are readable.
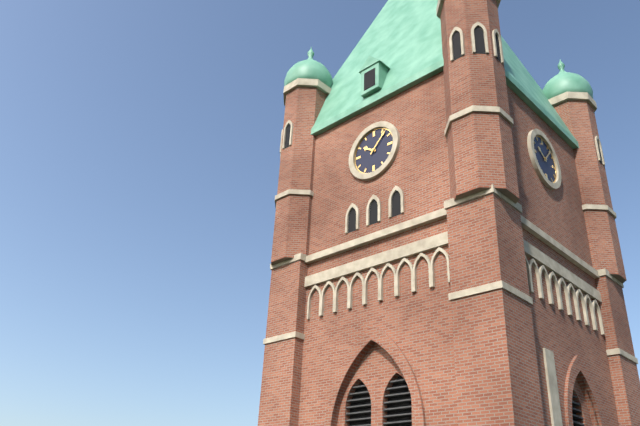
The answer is **10:07**
